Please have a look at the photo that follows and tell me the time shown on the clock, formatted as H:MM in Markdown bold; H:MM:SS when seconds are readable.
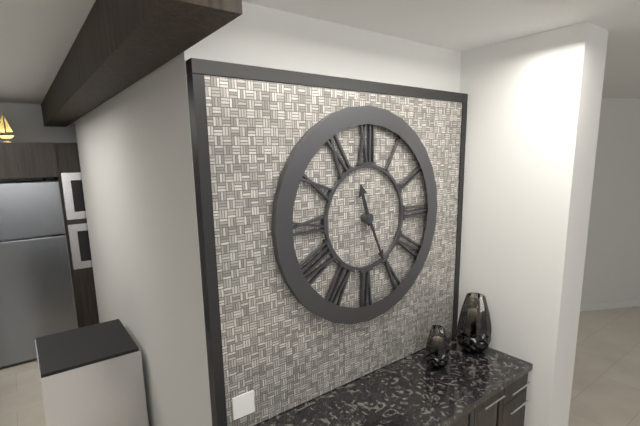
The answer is **11:26**
